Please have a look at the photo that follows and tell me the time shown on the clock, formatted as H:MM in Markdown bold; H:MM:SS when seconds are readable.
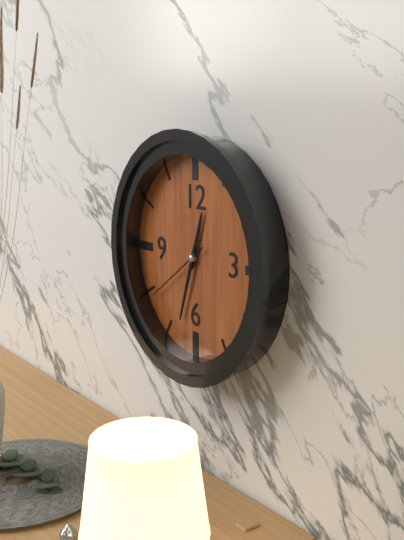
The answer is **12:33:39**
